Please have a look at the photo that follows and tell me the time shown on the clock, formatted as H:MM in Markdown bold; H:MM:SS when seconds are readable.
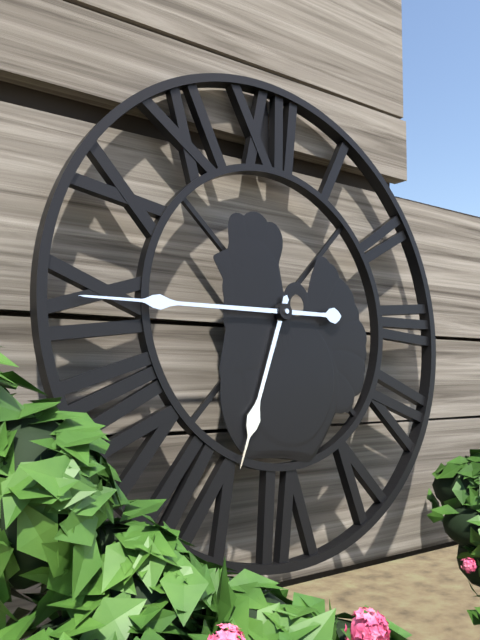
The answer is **6:45**
